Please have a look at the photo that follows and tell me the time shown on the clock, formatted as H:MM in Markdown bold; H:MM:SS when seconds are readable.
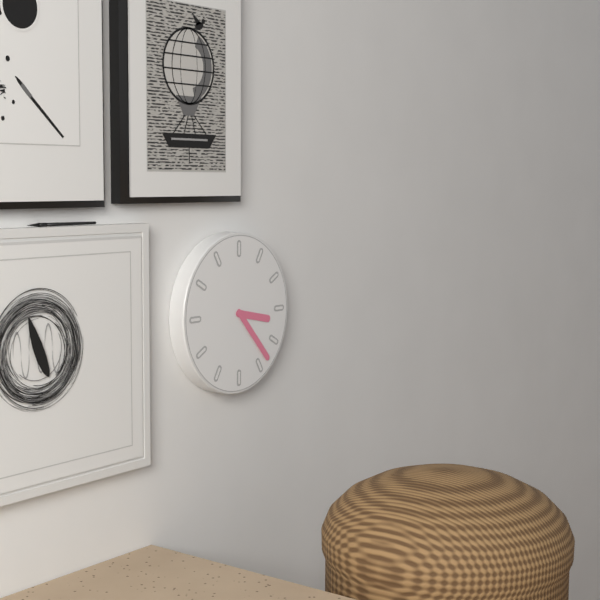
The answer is **3:23**
